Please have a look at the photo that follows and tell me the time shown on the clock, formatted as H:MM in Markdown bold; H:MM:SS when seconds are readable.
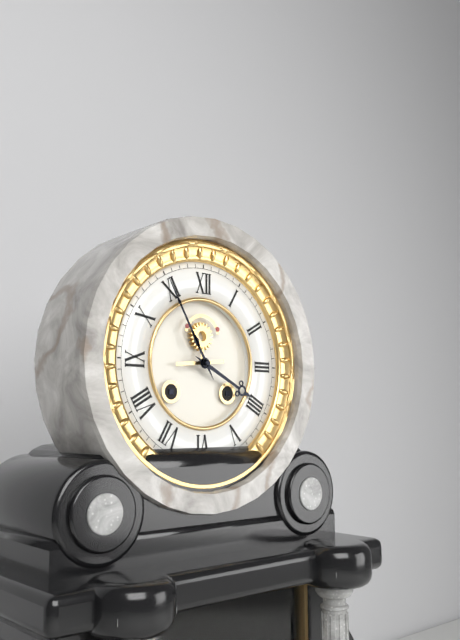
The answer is **3:55**
